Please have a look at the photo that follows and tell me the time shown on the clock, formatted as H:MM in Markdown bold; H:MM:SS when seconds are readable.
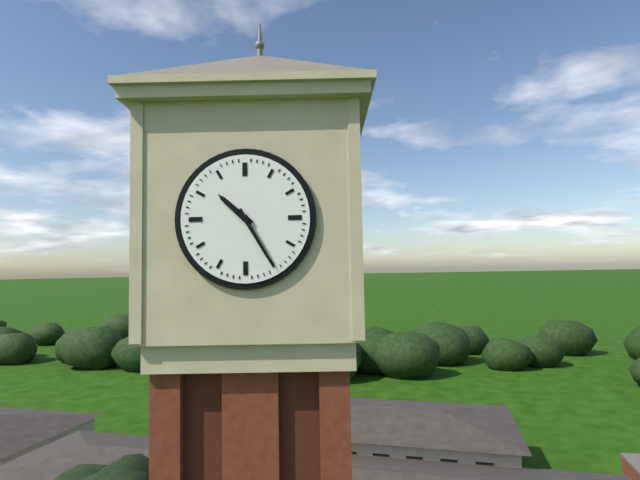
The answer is **10:25**
